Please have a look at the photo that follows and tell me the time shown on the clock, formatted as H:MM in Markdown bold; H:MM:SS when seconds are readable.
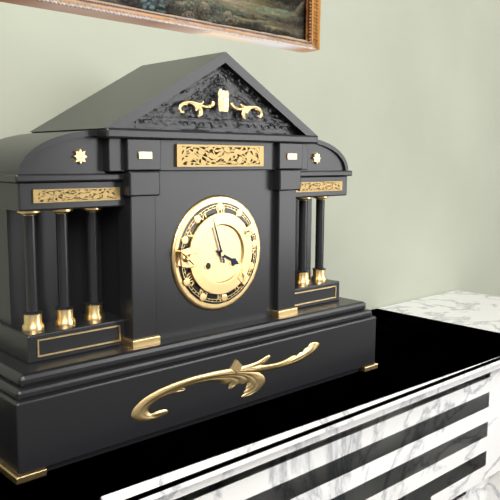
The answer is **3:57**
